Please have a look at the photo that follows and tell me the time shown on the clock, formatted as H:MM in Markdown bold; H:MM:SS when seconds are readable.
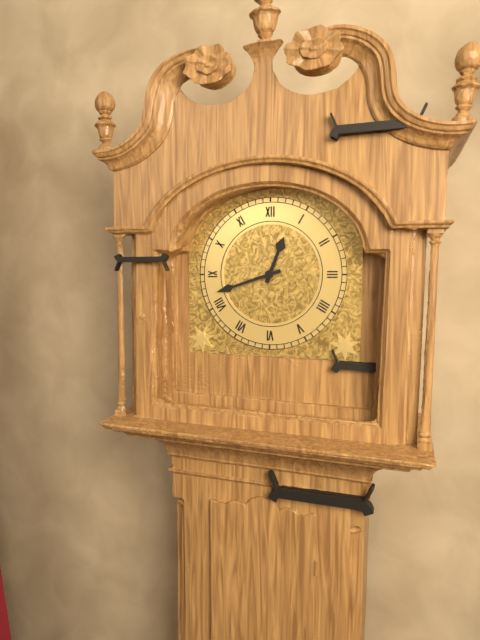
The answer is **12:42**
